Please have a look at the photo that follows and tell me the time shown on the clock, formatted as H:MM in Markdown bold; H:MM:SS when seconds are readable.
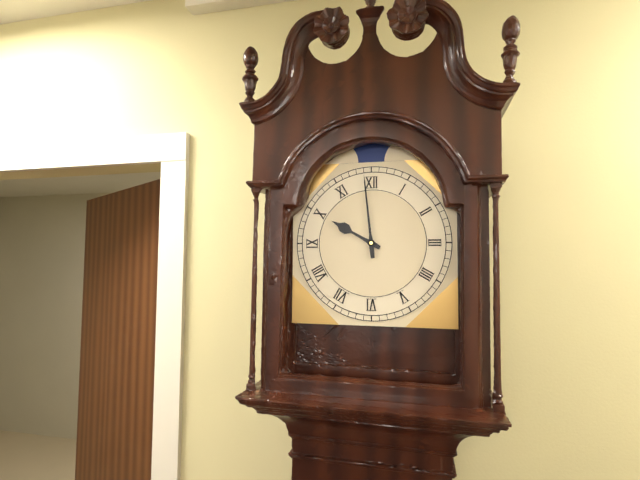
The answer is **9:59**
